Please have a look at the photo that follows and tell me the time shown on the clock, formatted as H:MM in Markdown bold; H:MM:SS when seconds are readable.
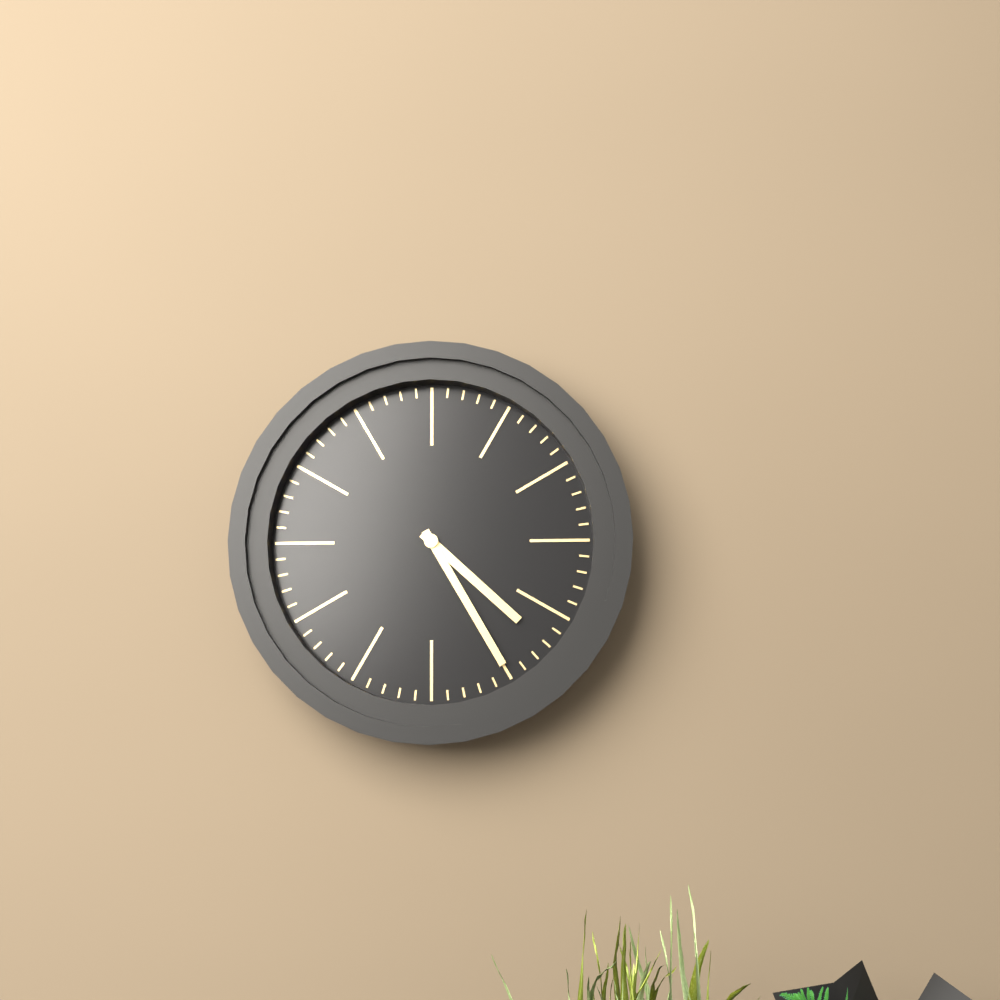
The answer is **4:25**
